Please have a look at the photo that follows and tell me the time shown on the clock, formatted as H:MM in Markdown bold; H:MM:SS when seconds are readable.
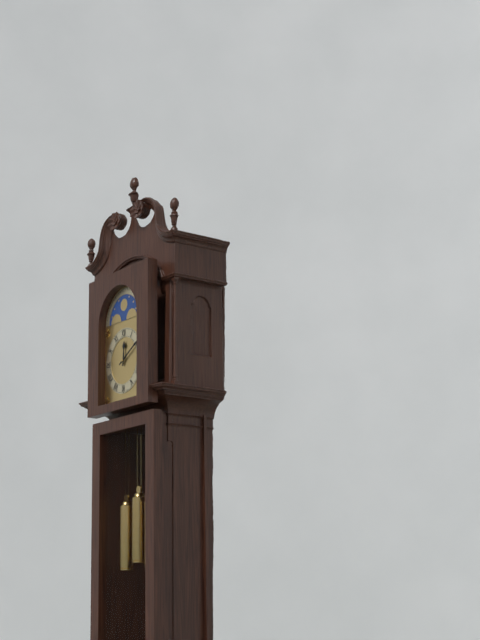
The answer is **12:10**
